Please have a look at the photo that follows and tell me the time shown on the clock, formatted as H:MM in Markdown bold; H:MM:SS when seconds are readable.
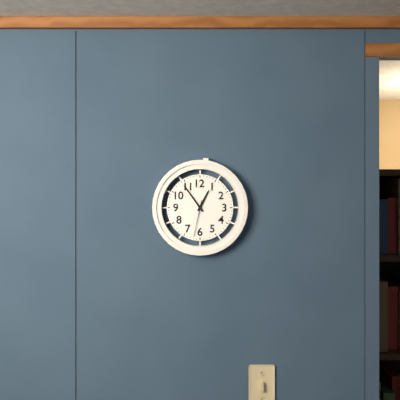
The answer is **12:54**
